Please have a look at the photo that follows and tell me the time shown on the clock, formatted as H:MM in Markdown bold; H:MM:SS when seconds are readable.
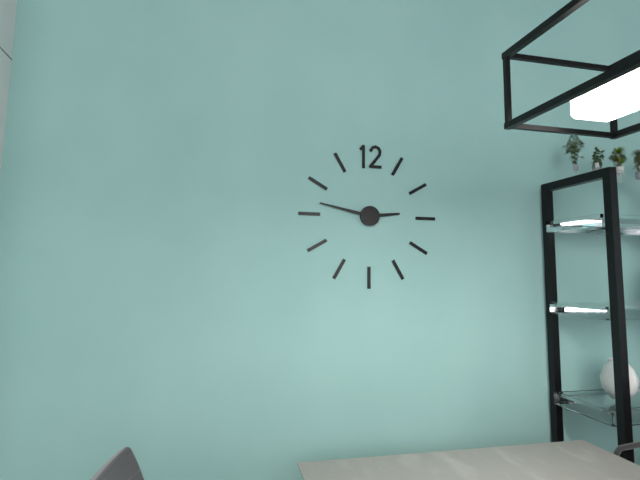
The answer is **2:47**
